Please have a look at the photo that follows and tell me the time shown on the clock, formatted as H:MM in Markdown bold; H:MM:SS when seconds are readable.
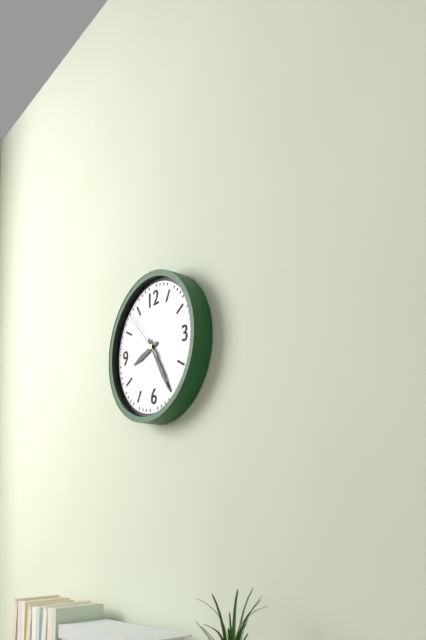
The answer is **8:25**
